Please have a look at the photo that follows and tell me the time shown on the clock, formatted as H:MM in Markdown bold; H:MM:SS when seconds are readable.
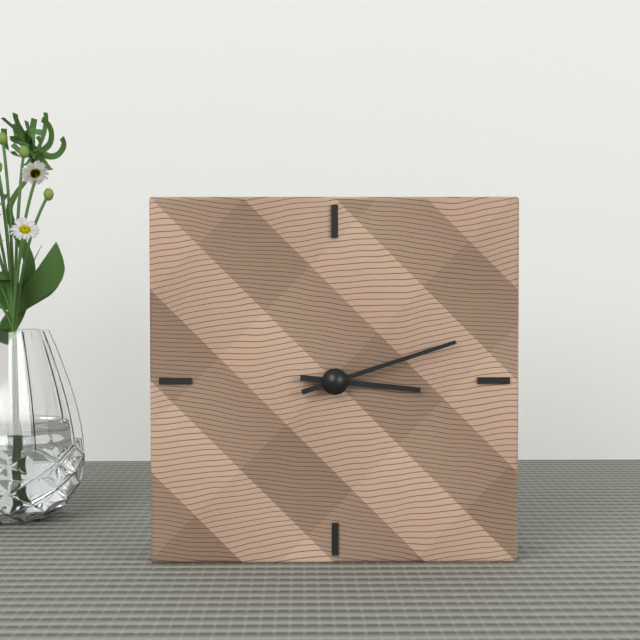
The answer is **3:12**
